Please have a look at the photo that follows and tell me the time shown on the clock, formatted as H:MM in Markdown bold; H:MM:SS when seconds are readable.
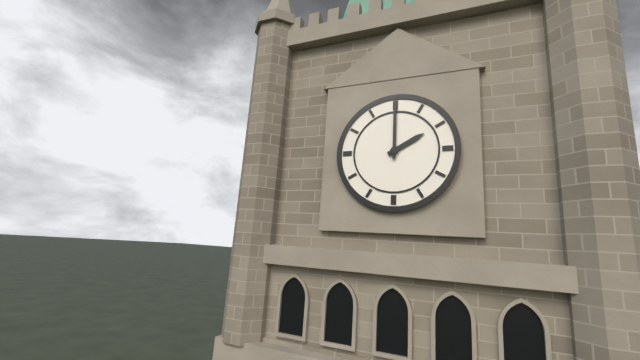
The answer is **2:00**
